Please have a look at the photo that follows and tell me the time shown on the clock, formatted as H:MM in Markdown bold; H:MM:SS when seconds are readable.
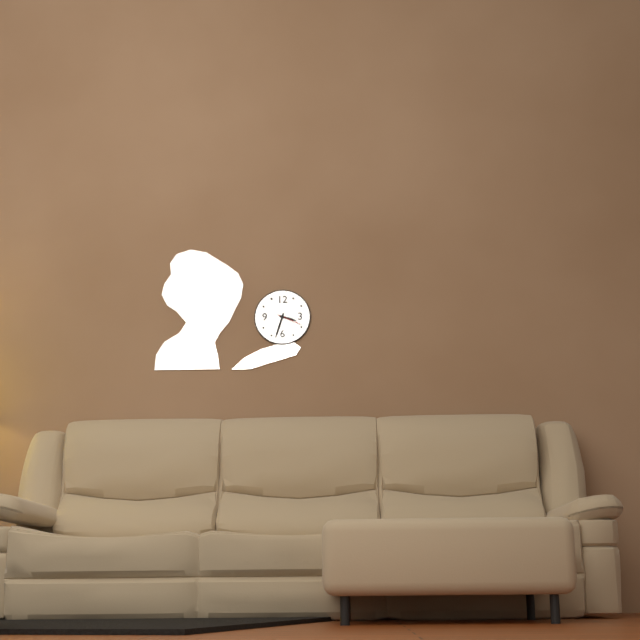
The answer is **3:33**
